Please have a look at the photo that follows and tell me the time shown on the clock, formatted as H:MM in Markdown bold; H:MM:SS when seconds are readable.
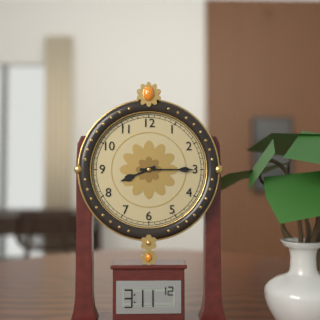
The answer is **8:15**
